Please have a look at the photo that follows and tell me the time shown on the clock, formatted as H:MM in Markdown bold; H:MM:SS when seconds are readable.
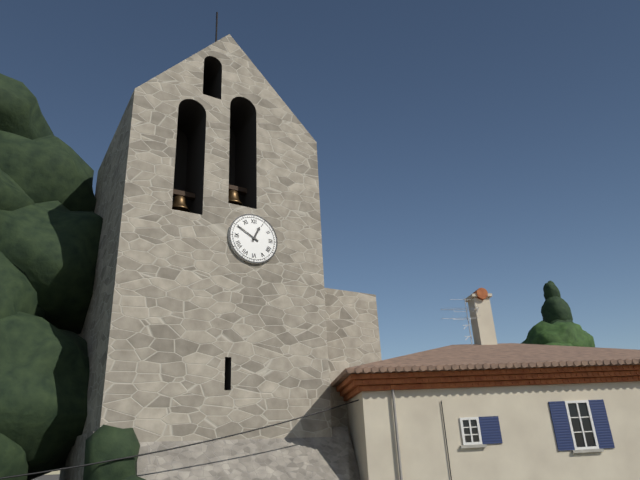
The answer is **12:50**
